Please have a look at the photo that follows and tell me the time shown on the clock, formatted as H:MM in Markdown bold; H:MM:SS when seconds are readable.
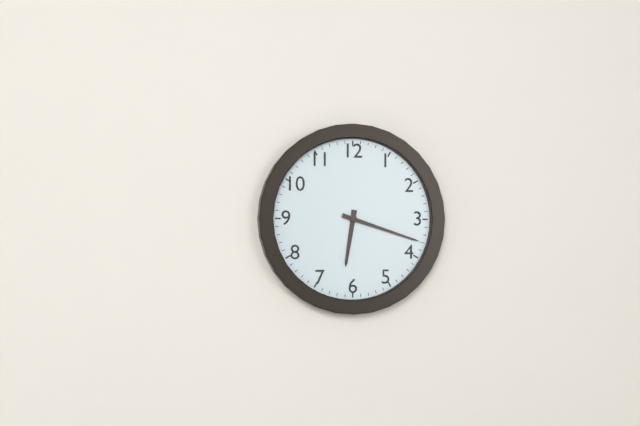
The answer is **6:18**
